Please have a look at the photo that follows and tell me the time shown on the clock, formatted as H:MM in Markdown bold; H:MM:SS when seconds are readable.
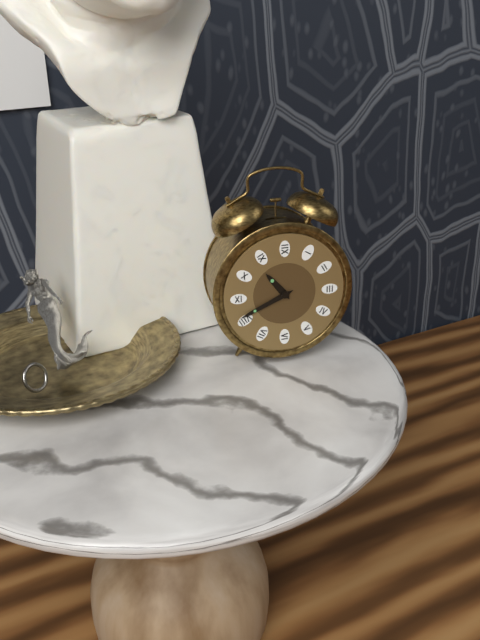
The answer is **10:41**
